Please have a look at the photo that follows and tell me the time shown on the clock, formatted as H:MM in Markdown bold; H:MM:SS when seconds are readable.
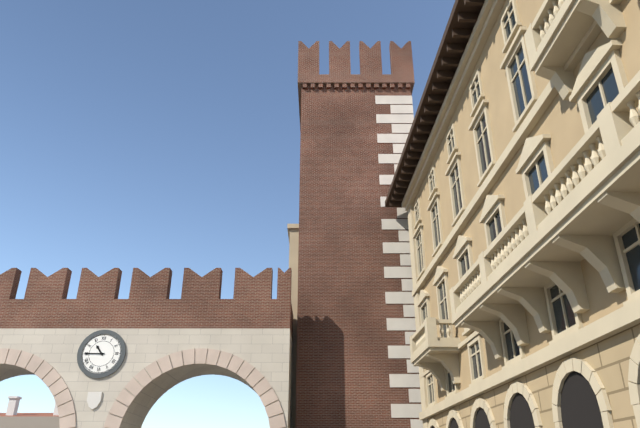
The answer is **10:45**
